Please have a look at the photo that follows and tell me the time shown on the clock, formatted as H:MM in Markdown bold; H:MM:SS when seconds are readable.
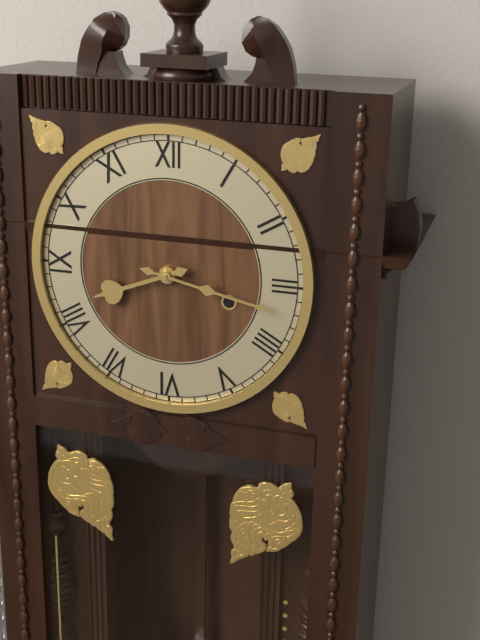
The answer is **8:17**
